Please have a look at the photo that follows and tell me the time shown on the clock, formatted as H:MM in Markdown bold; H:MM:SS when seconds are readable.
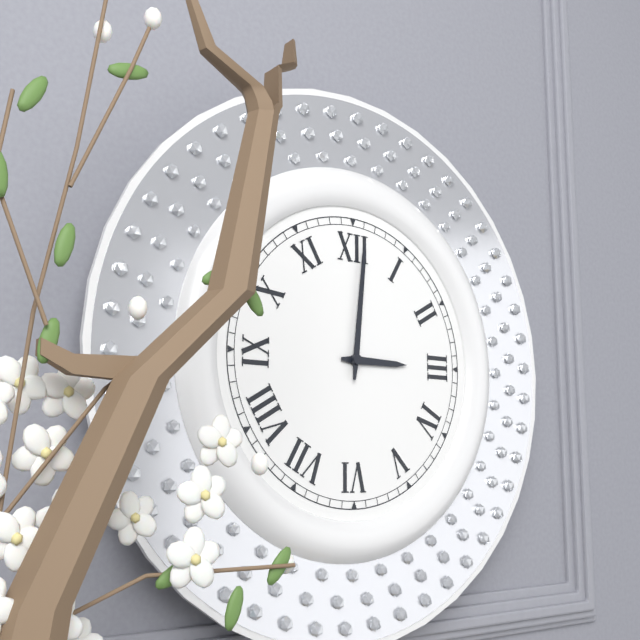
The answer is **3:01**
